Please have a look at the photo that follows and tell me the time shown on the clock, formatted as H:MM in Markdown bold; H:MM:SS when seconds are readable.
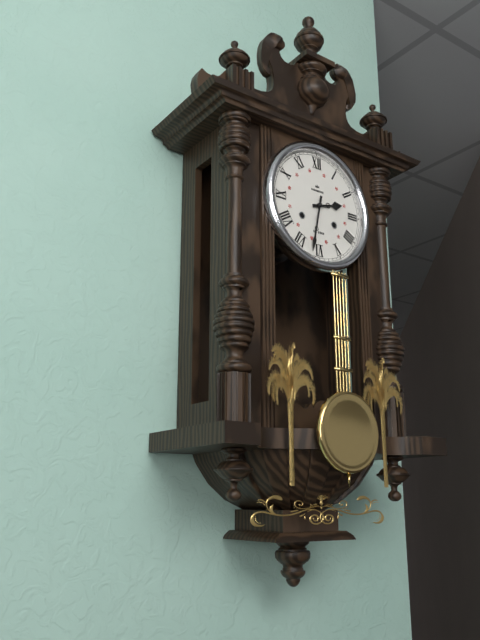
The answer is **2:32**
